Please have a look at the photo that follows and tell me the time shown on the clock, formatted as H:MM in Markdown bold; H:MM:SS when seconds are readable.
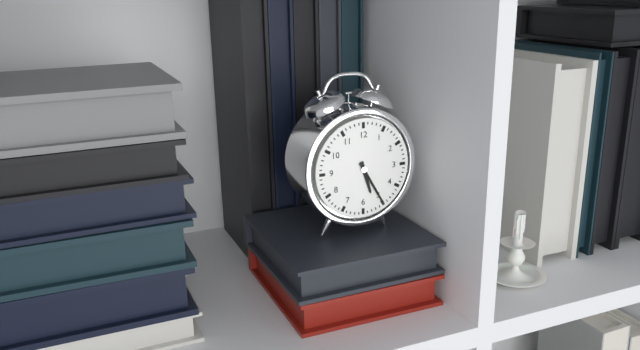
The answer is **5:25**
